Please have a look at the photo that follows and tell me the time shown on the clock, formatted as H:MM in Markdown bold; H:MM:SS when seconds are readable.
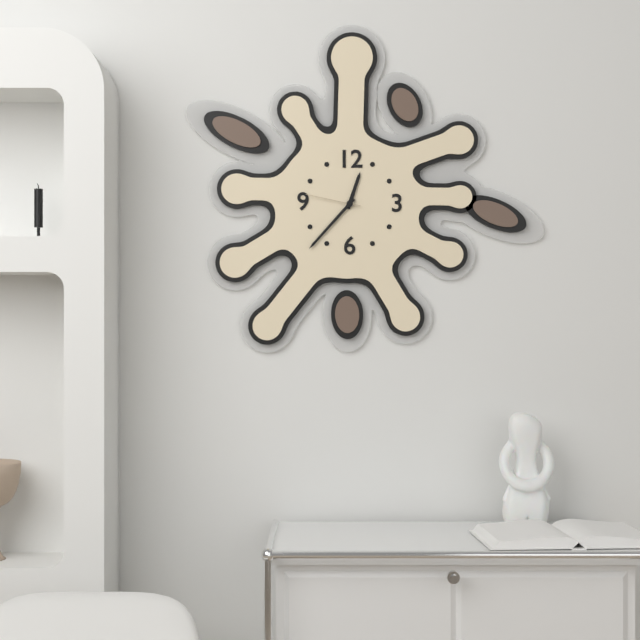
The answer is **12:37:47**
